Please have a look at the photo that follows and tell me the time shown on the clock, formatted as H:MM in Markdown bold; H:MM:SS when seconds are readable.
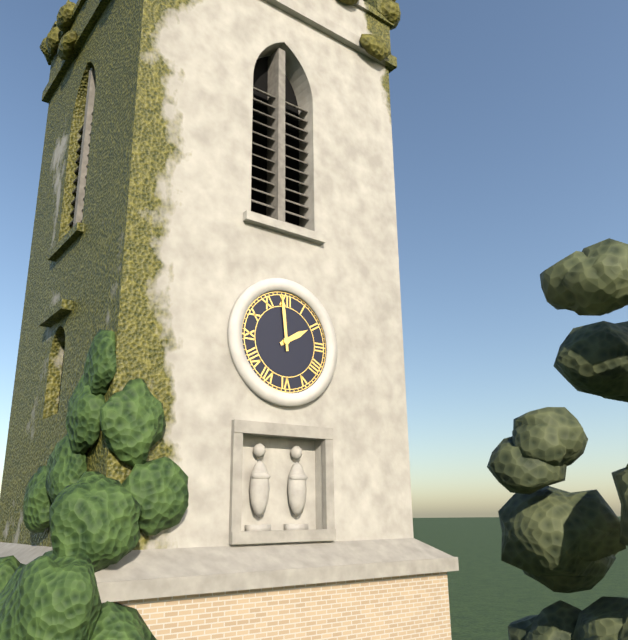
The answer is **1:59**
